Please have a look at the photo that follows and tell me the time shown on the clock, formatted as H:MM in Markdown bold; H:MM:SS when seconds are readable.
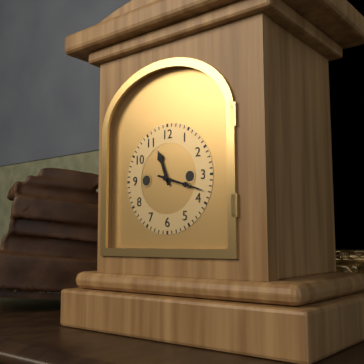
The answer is **11:18**
